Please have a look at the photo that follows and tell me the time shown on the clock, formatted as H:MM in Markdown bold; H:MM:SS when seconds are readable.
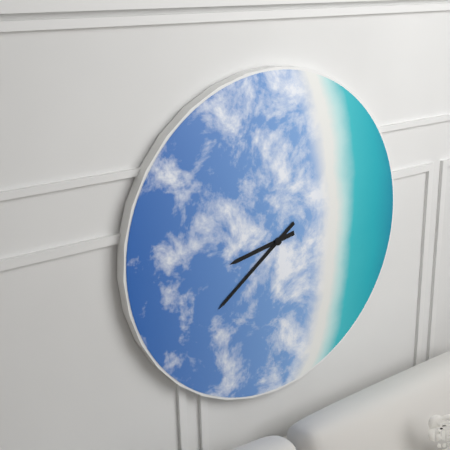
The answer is **8:39**
